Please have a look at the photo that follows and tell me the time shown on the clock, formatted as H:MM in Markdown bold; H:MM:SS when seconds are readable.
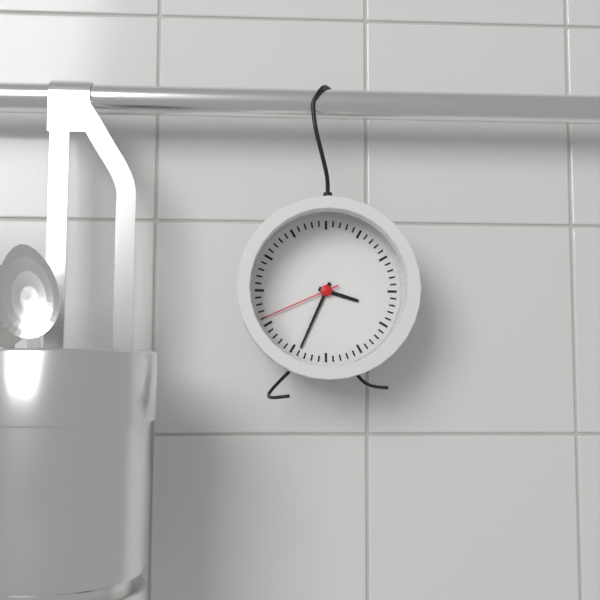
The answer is **3:34:41**
